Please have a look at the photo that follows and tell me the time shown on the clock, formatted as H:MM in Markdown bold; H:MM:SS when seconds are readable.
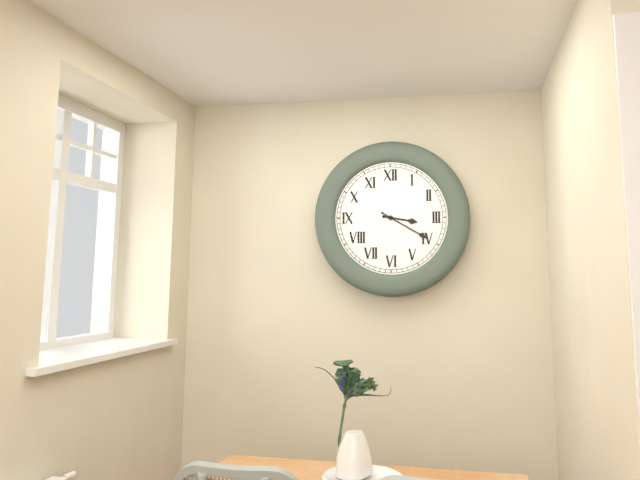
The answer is **3:20**
